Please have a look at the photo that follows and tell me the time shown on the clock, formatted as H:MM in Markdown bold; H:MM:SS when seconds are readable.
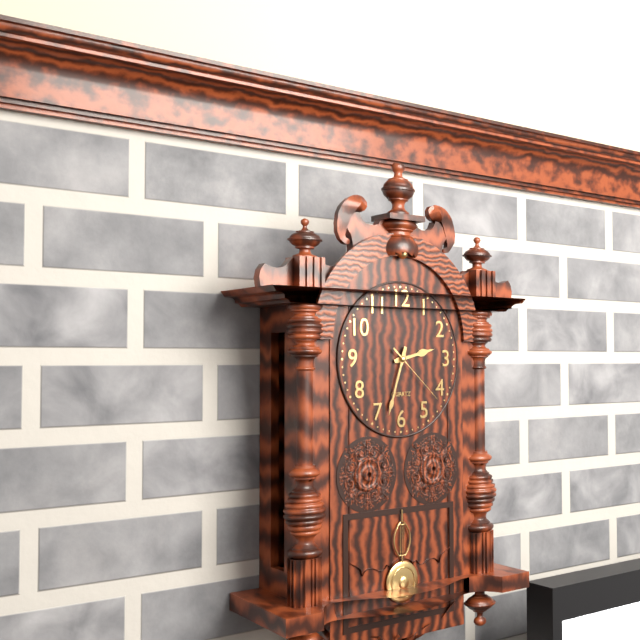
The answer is **2:33:22**
